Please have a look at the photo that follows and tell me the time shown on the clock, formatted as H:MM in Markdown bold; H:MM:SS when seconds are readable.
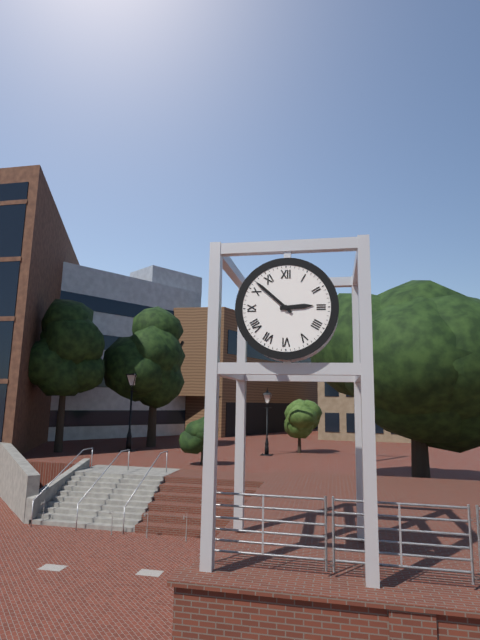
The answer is **2:52**
